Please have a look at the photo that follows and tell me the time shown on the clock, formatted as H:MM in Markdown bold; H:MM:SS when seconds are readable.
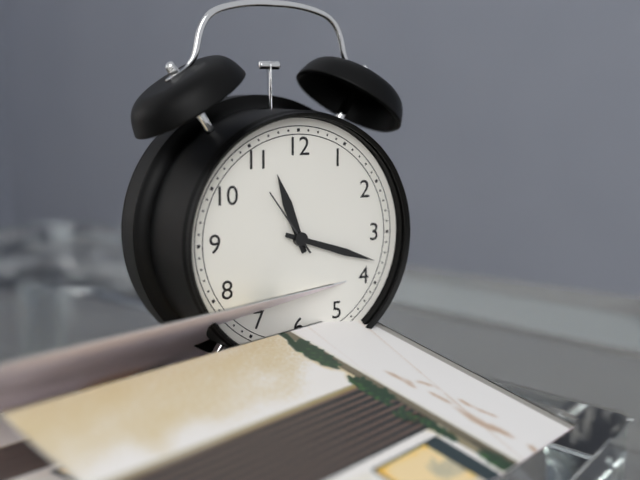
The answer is **11:18:54**
